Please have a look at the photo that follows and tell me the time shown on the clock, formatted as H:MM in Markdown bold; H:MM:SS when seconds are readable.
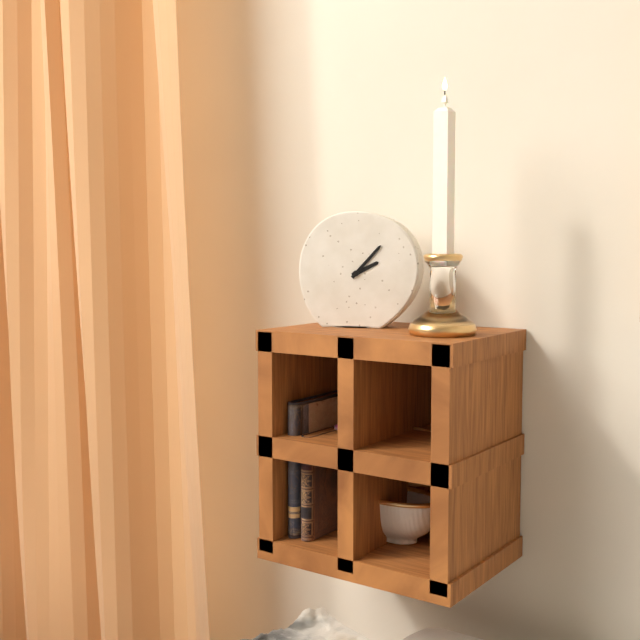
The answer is **2:07**
